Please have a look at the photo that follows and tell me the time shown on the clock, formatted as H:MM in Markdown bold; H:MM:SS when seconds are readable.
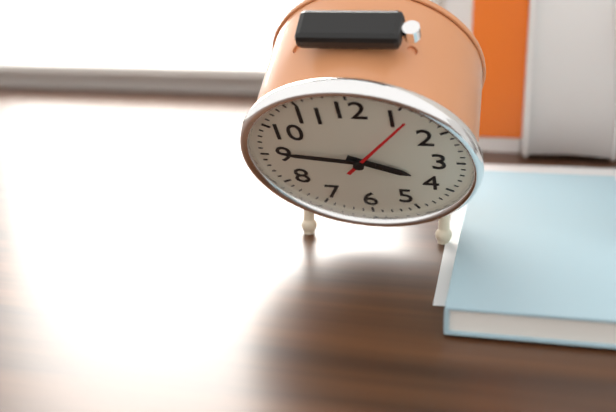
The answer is **3:46:06**
